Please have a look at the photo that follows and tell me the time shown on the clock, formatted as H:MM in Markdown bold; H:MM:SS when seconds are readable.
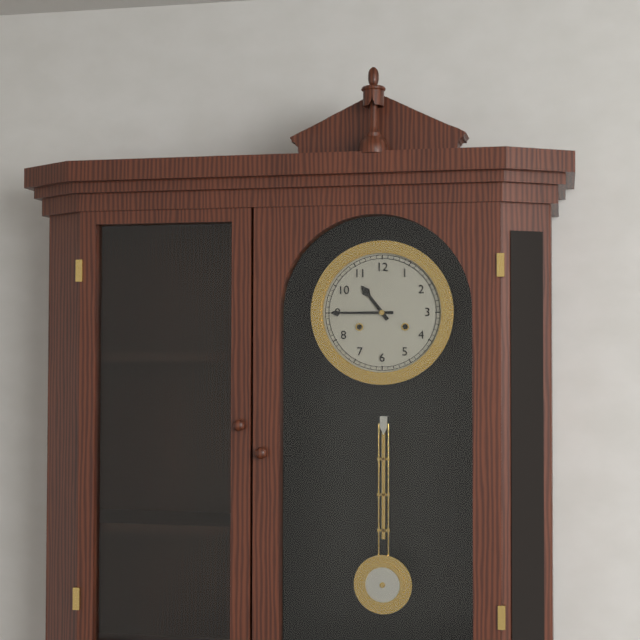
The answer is **10:45**
